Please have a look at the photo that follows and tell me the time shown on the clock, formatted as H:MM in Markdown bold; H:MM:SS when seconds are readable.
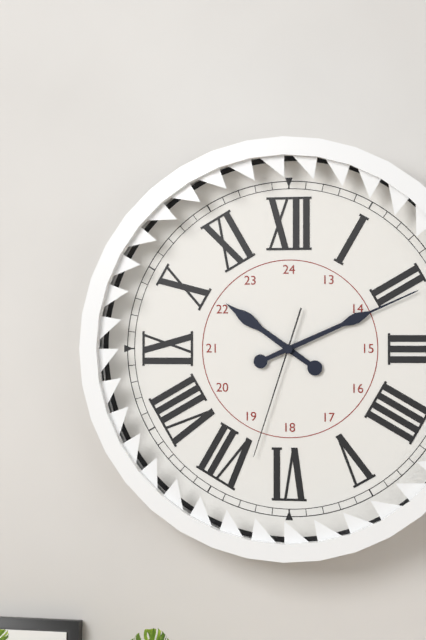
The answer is **10:11:33**
